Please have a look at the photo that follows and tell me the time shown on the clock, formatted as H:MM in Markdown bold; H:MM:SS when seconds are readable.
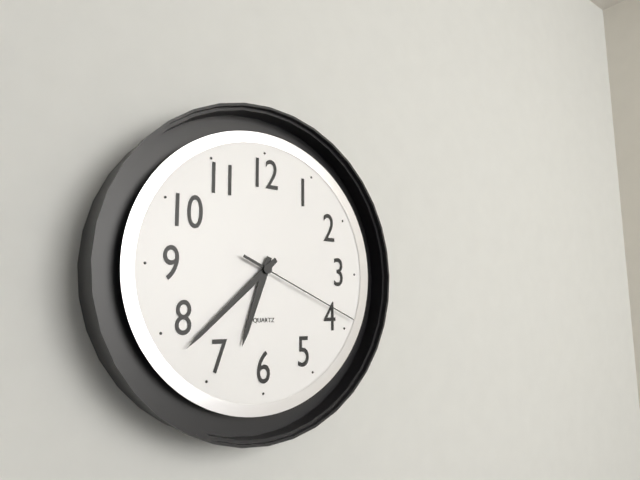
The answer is **6:38:19**
